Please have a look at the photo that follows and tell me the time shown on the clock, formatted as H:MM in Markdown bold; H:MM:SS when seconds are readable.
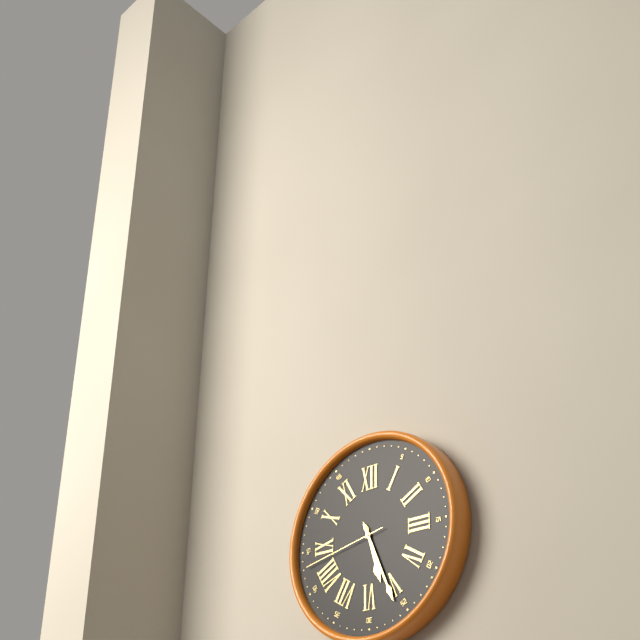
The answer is **5:26:43**
